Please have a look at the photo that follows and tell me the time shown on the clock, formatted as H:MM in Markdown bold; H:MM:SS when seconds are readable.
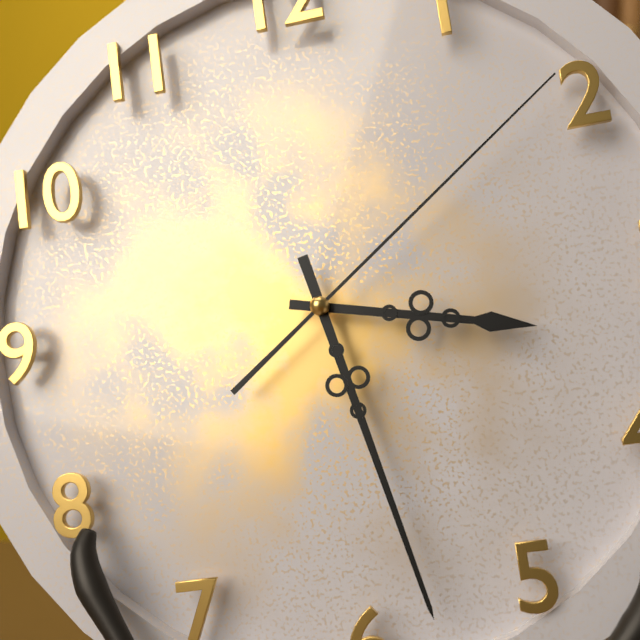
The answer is **3:28:09**
